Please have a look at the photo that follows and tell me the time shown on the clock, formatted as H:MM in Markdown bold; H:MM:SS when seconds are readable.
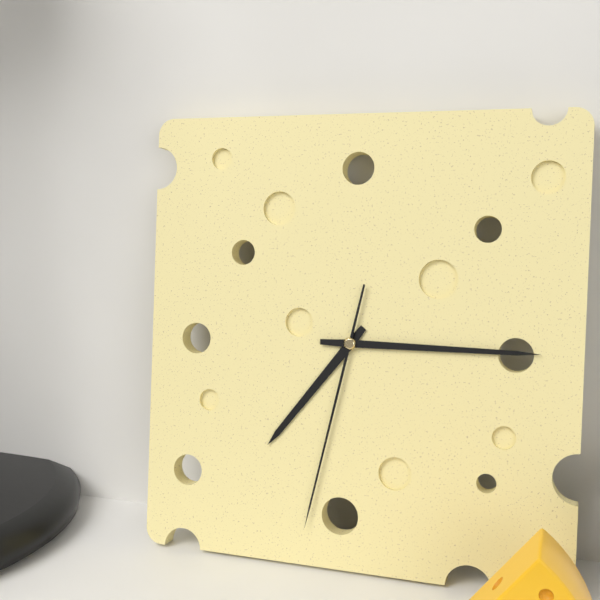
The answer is **7:15:32**
